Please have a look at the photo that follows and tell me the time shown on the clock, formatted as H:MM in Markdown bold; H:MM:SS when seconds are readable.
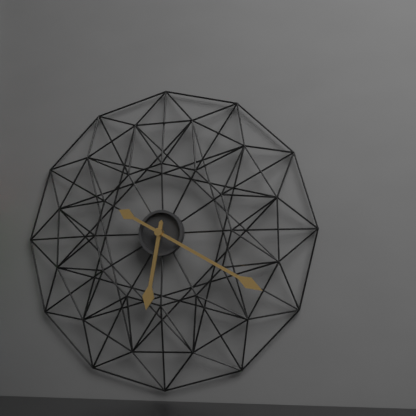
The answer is **6:20**
